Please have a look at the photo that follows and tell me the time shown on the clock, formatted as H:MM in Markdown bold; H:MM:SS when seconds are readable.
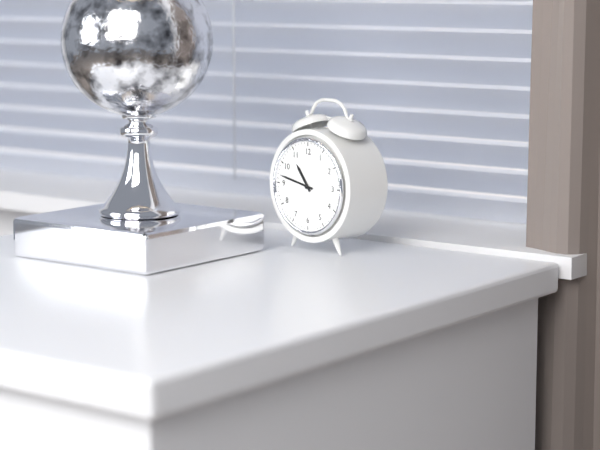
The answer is **10:47**
